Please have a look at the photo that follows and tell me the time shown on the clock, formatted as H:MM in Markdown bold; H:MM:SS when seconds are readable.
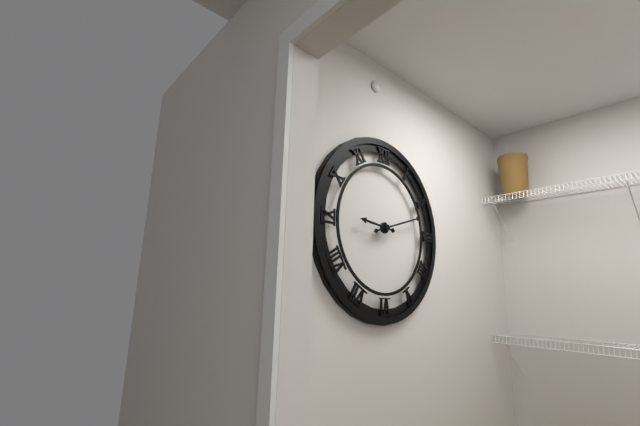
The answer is **9:12**
